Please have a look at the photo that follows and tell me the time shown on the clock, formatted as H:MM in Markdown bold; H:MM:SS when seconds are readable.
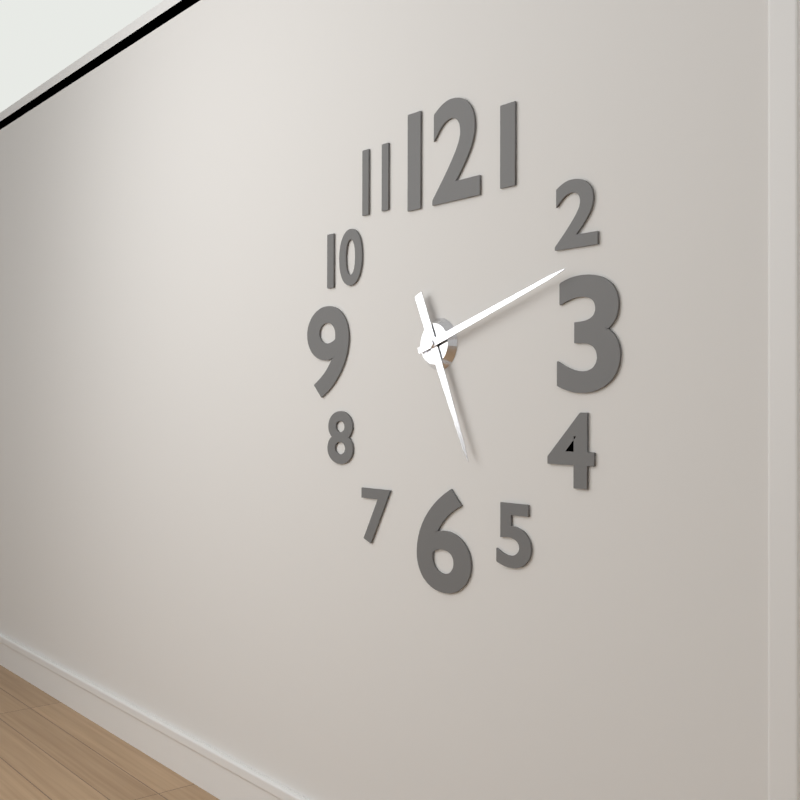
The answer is **5:12**
